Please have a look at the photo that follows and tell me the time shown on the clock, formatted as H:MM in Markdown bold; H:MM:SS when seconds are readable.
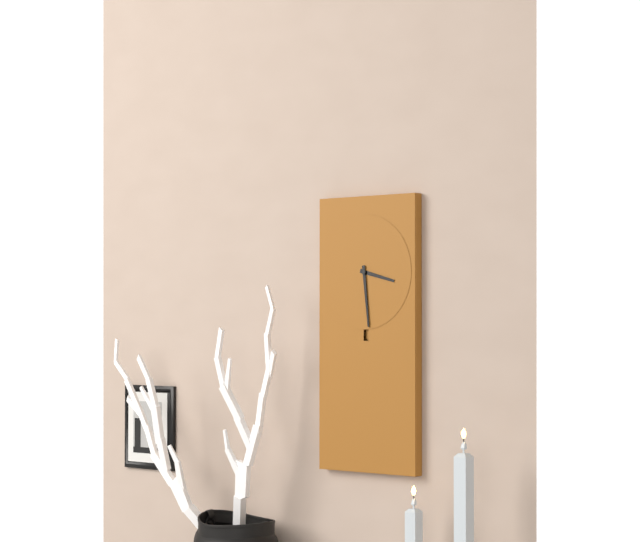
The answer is **3:29**
